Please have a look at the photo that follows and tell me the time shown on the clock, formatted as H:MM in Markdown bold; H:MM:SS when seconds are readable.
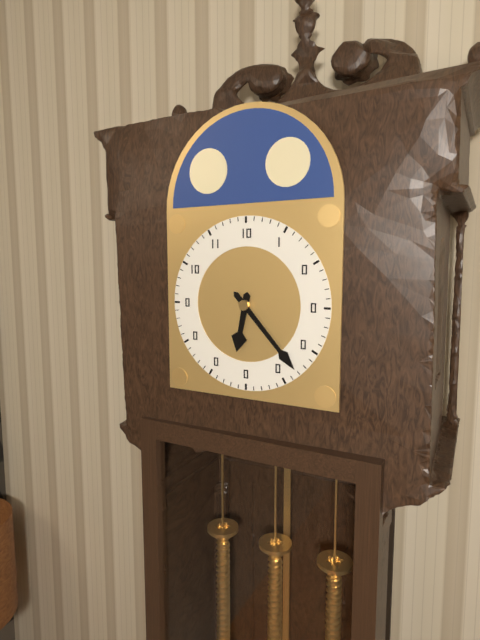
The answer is **6:23**
